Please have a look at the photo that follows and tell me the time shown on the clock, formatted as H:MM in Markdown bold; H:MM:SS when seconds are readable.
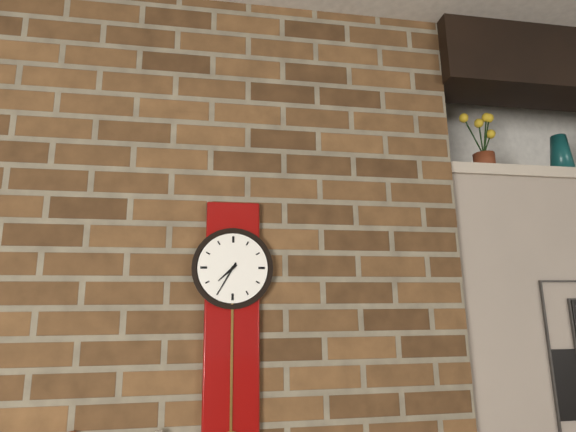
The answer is **7:35**
